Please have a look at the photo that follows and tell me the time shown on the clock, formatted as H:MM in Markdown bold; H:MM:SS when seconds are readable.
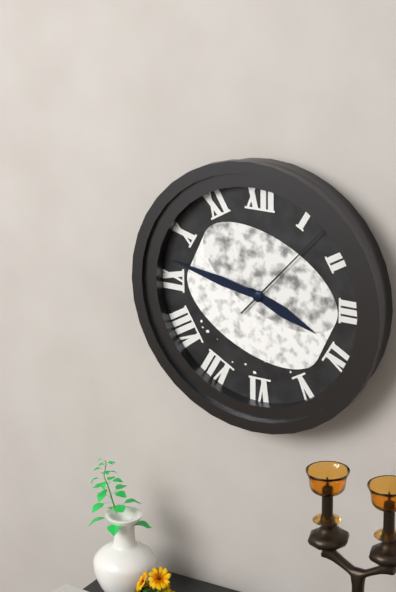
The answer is **3:47:07**
